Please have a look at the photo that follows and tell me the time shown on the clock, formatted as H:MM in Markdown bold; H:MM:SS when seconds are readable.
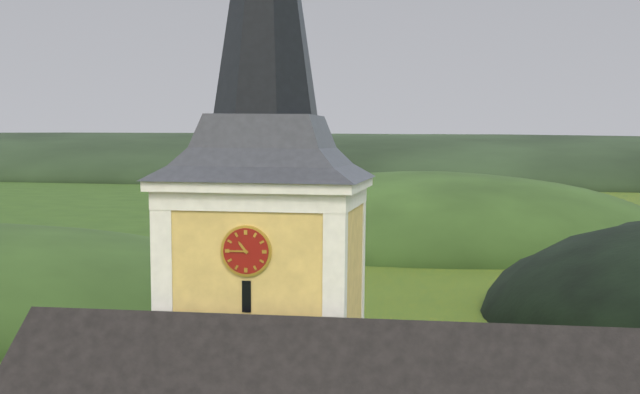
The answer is **10:45**
